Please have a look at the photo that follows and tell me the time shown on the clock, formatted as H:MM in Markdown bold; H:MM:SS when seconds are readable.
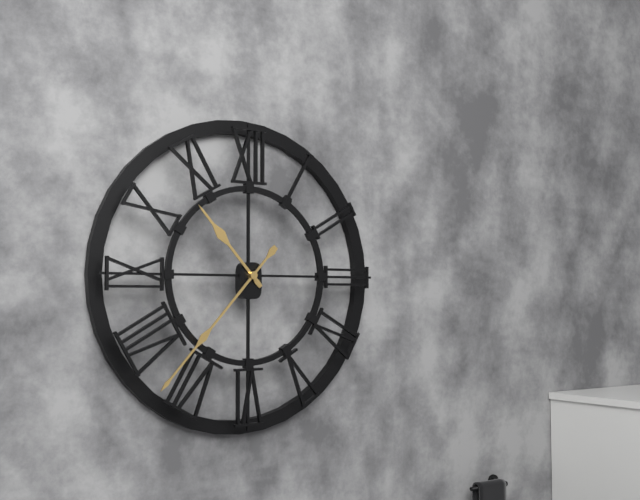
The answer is **10:37**
